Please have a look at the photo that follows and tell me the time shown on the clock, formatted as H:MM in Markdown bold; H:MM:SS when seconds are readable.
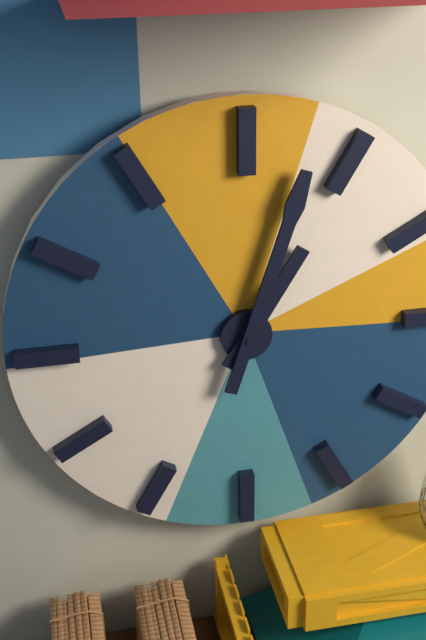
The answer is **1:03**
